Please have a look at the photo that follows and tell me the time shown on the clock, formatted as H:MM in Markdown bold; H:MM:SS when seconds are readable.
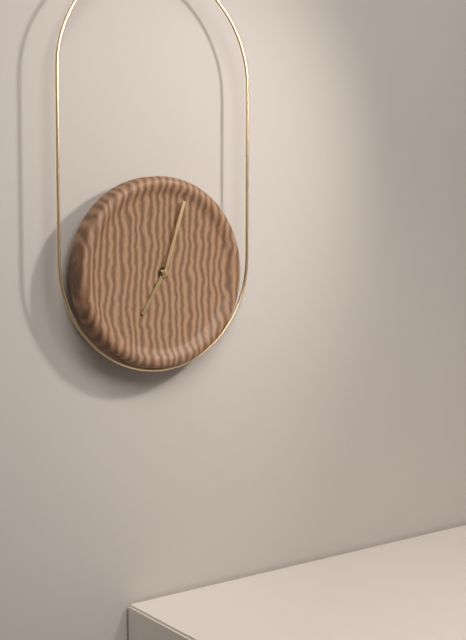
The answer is **7:03**
